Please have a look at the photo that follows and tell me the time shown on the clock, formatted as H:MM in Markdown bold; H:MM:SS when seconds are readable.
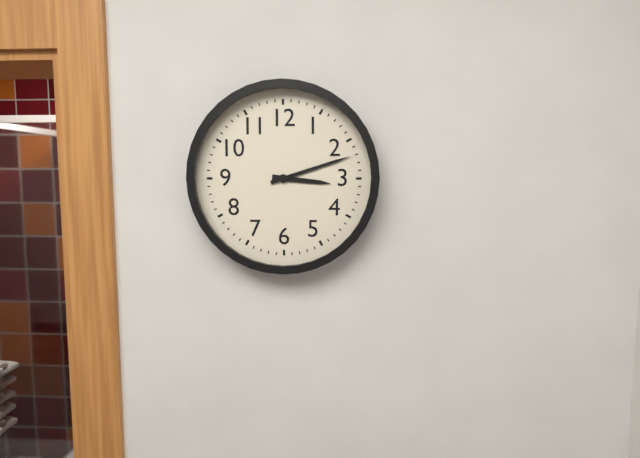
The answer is **3:12**
